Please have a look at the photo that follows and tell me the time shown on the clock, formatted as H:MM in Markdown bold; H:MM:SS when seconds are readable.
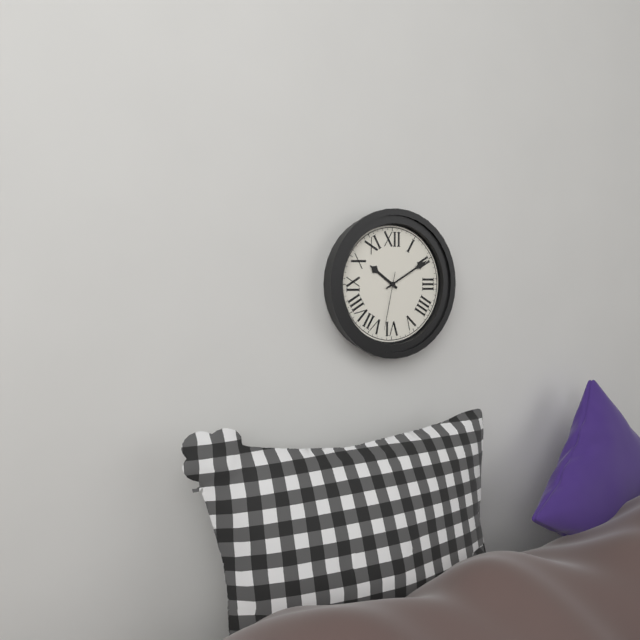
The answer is **10:10:32**
